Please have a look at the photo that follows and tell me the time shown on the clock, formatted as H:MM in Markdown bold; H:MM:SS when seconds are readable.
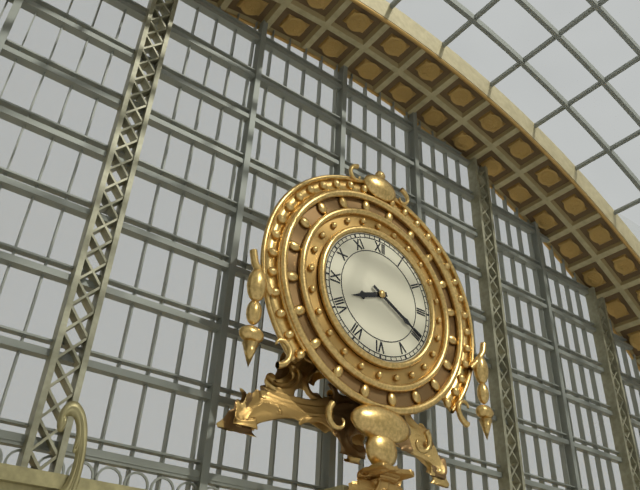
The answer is **8:20**
